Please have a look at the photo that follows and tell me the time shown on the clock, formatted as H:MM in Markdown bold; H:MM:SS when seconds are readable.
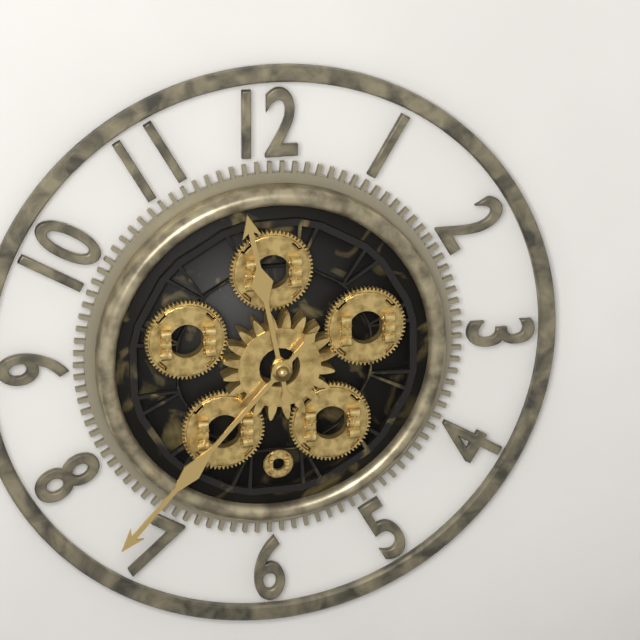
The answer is **11:37**
